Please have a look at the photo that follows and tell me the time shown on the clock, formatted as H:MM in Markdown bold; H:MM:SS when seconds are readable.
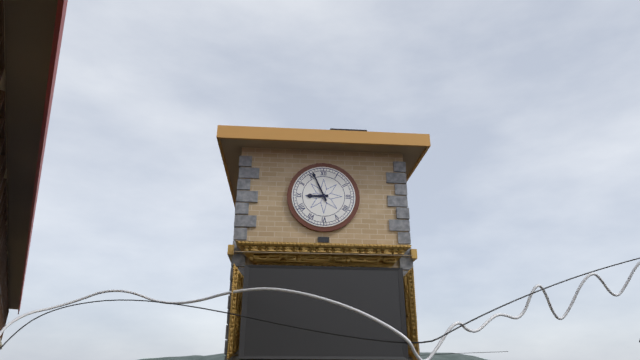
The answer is **8:56**
